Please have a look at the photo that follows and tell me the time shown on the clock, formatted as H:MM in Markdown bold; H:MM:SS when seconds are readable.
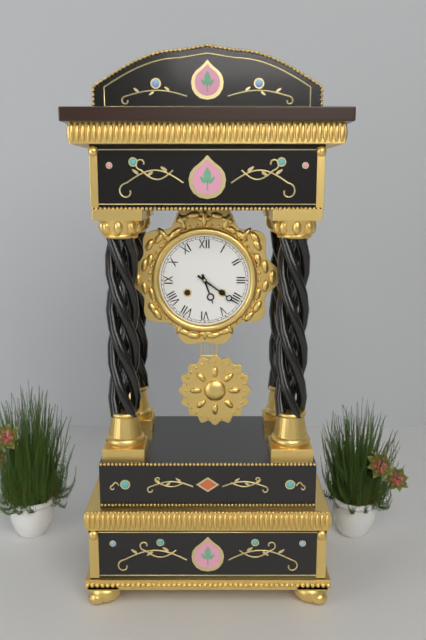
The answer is **5:21**
